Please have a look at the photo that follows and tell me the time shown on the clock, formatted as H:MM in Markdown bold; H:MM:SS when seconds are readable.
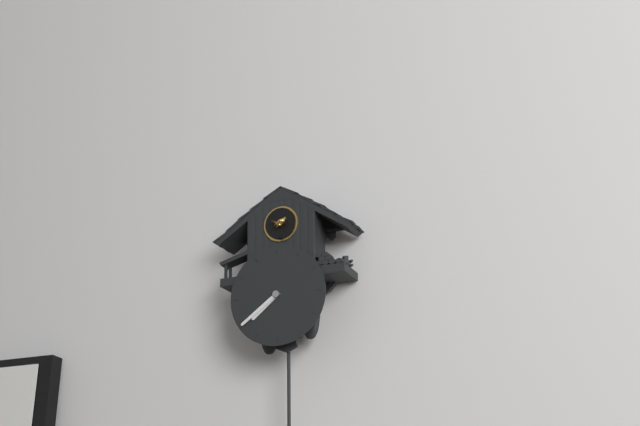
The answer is **7:39**
